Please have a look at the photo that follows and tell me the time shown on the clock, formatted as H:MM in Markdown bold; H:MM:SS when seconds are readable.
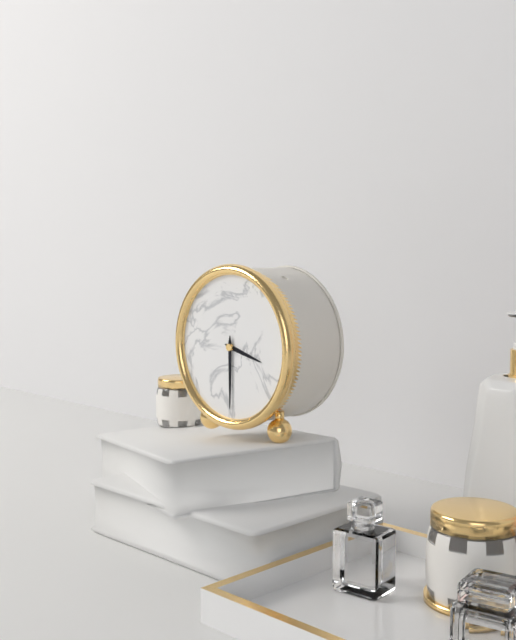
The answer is **3:30**
